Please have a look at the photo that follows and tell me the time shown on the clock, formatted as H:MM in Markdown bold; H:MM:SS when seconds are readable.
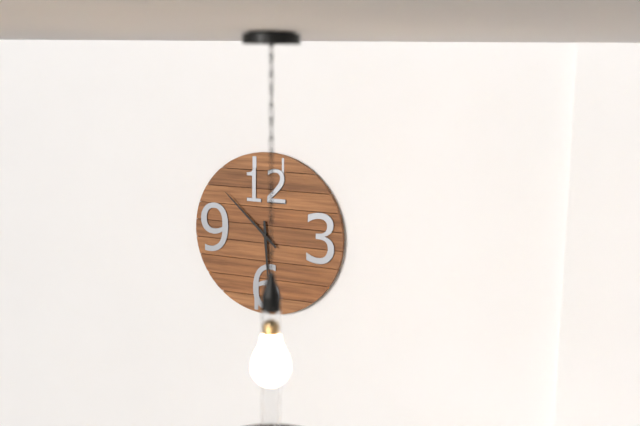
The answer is **5:52**
